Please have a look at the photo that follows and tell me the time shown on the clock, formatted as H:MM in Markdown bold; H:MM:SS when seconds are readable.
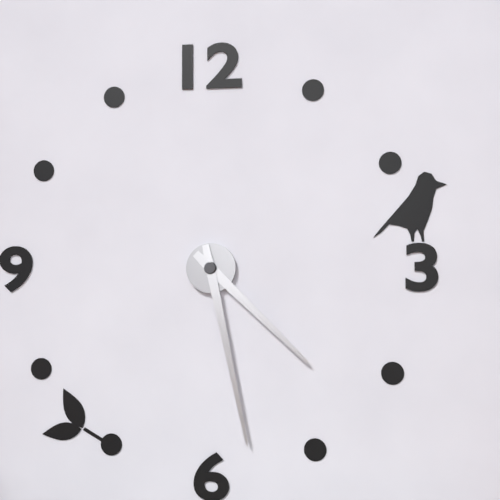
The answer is **4:28**
